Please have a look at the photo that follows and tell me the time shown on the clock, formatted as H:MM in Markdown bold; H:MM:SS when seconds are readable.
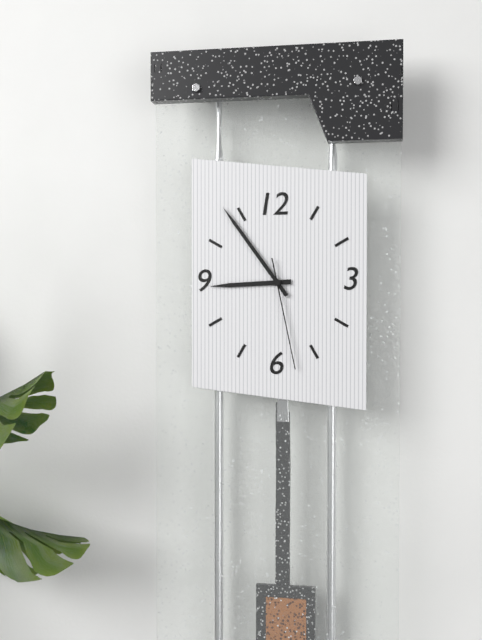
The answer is **8:54:28**
